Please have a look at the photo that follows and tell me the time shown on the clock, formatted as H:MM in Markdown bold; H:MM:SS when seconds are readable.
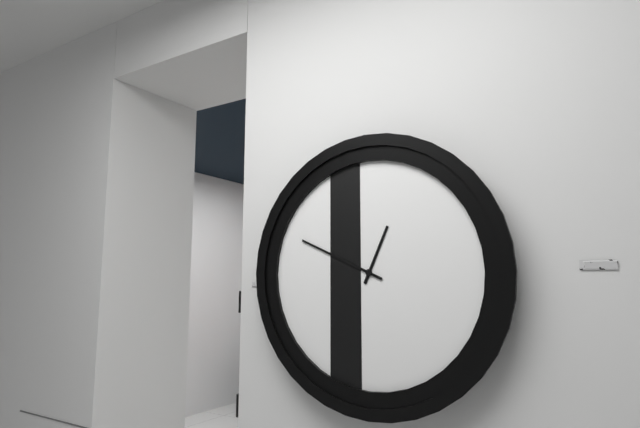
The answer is **12:49**
